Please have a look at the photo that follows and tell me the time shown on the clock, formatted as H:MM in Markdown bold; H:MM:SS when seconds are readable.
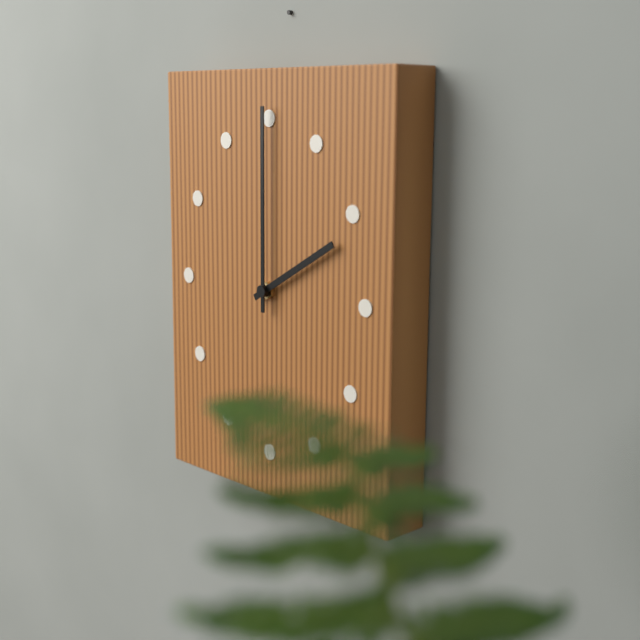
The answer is **2:00**
